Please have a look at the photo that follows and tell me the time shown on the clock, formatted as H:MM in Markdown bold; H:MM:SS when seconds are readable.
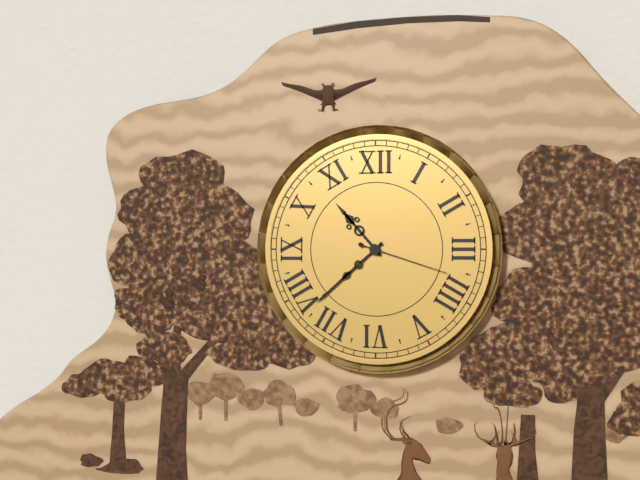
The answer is **10:38:18**
